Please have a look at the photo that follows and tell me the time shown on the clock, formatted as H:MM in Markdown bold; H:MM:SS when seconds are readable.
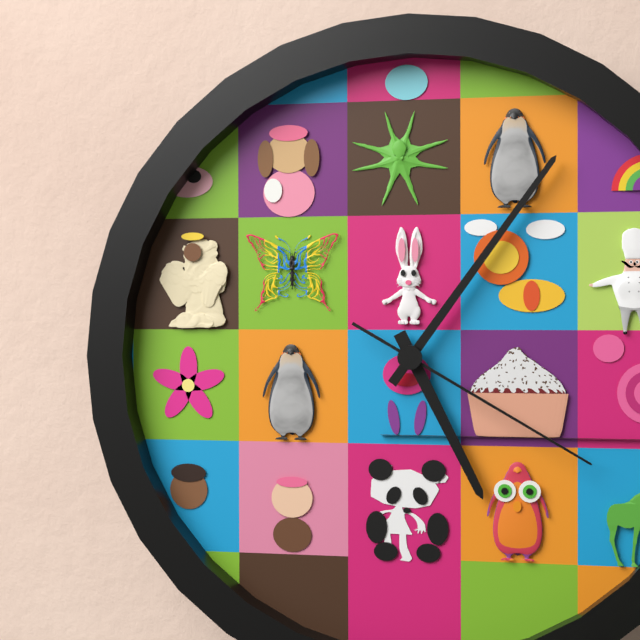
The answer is **5:06:20**
